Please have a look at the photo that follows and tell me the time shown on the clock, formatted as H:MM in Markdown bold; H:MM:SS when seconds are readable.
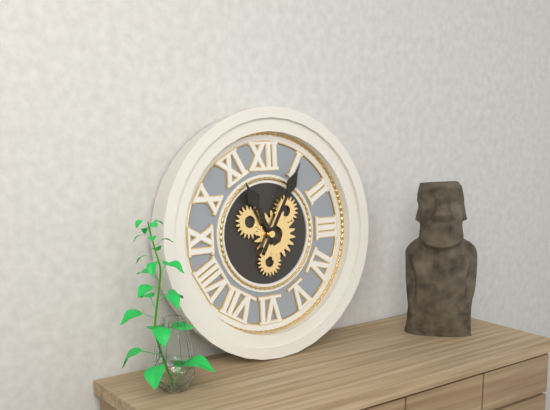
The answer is **11:05**
